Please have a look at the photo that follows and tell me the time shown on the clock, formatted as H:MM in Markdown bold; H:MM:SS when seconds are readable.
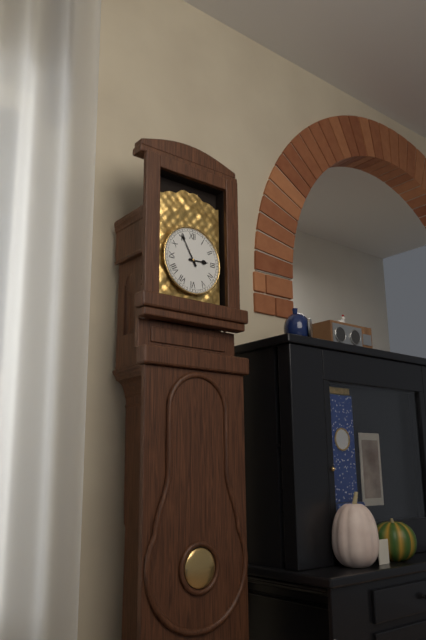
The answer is **2:55**
